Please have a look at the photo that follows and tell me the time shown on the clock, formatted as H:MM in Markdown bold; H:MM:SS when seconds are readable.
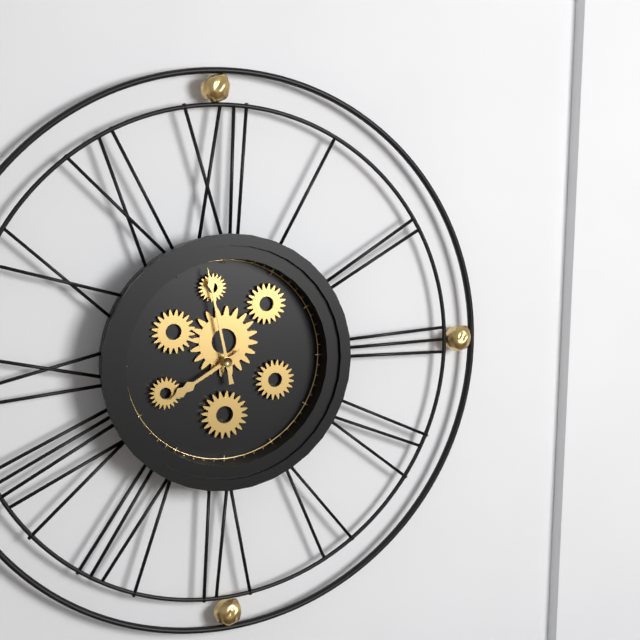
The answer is **7:58**
